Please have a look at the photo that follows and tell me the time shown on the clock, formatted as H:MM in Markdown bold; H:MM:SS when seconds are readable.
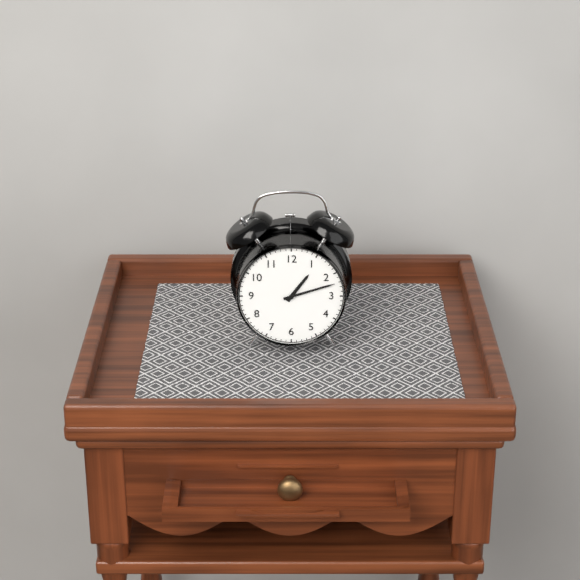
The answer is **1:12**
